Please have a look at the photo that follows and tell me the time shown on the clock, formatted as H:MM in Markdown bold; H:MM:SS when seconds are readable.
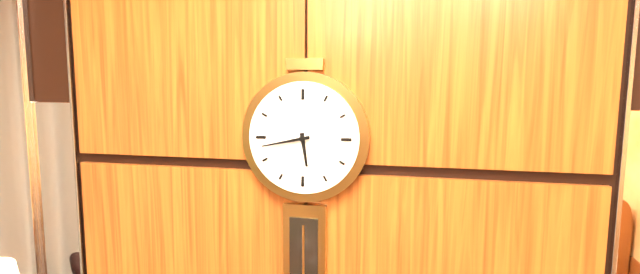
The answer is **5:43**
